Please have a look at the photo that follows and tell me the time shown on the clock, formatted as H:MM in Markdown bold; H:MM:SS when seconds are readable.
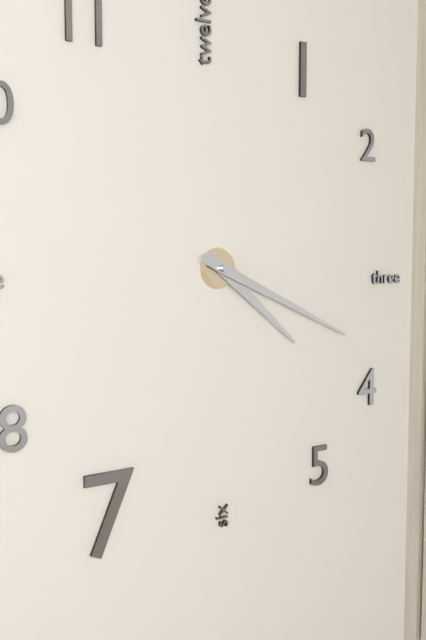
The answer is **4:19**
